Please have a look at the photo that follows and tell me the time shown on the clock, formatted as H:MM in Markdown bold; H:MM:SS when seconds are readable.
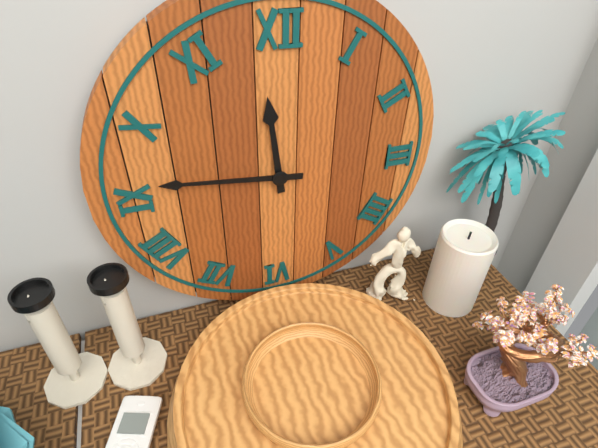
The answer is **11:46**
